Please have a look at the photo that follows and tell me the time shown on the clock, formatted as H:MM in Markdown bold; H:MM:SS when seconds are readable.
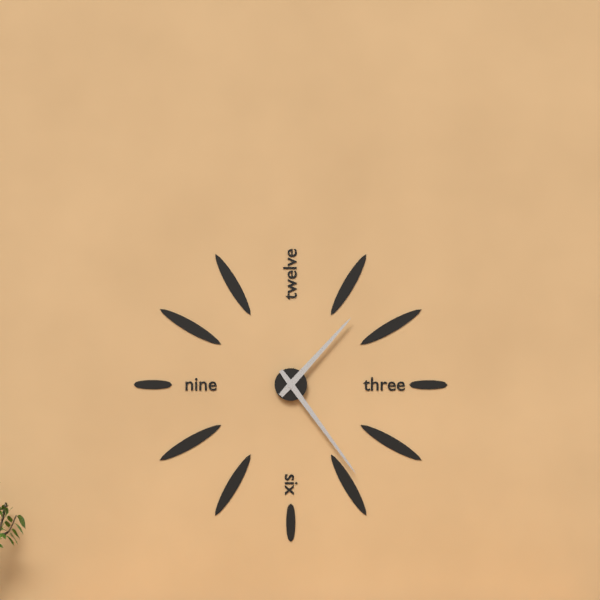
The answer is **1:24**
